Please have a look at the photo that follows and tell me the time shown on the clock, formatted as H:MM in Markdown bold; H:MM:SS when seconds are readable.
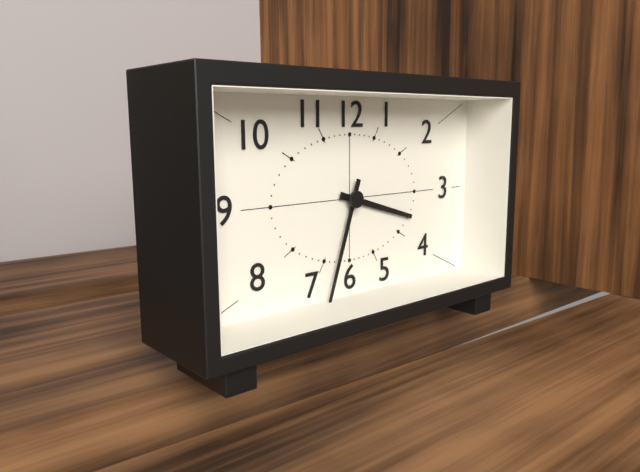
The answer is **3:33**
